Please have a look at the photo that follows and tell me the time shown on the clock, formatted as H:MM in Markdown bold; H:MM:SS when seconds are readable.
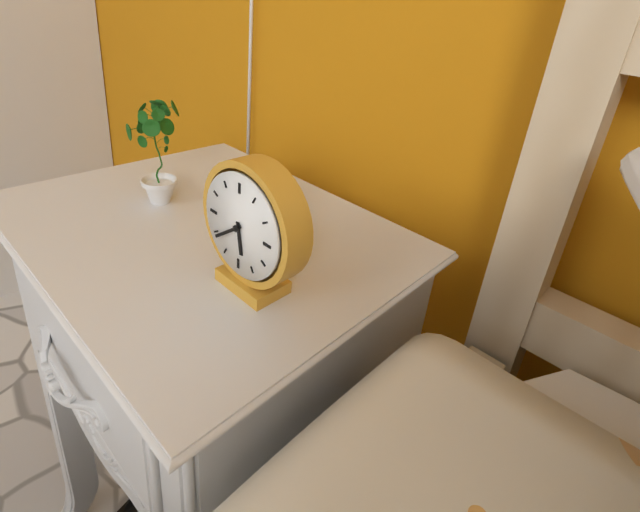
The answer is **5:39**
